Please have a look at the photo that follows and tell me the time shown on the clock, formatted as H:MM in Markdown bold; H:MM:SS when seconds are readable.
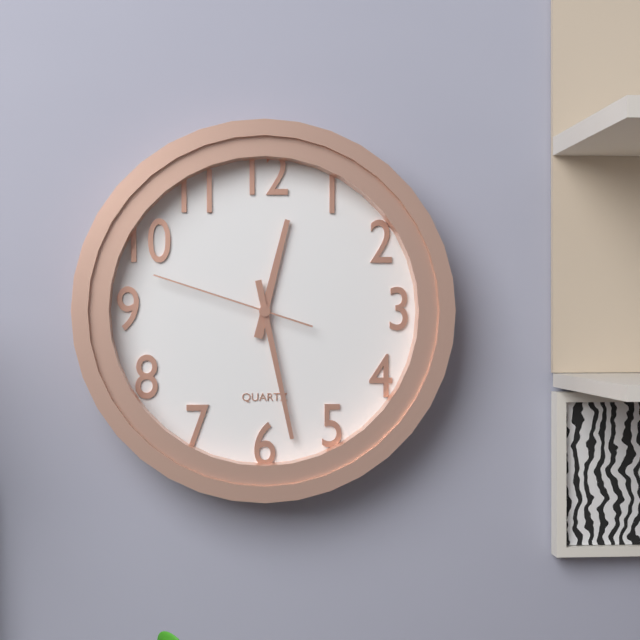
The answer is **12:28:48**
